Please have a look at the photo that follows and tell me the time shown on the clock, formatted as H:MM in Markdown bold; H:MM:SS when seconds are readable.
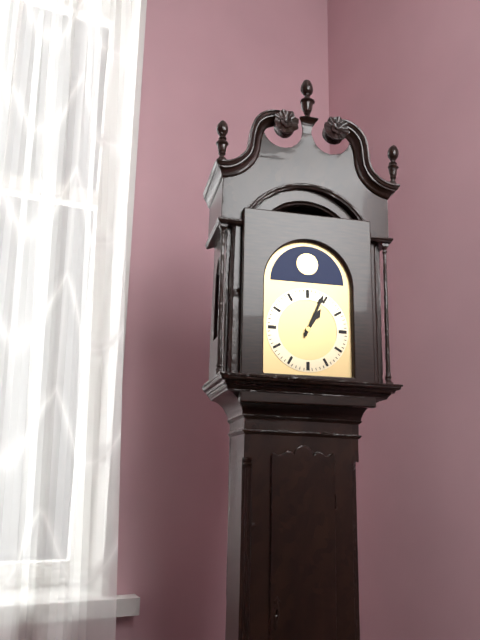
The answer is **1:04**
